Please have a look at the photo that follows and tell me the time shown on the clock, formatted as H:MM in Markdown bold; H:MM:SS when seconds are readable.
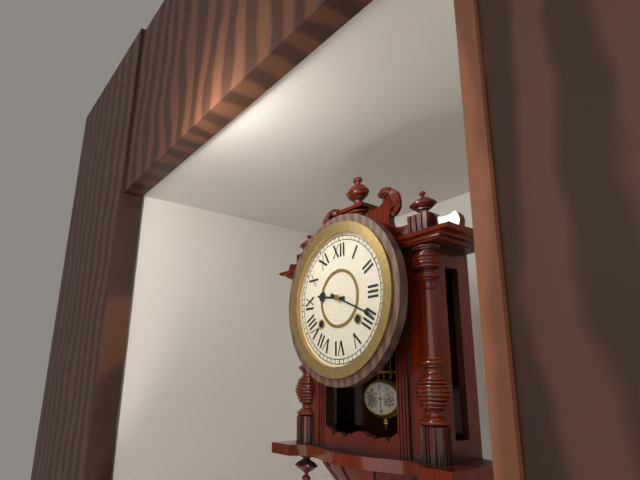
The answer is **9:19**
